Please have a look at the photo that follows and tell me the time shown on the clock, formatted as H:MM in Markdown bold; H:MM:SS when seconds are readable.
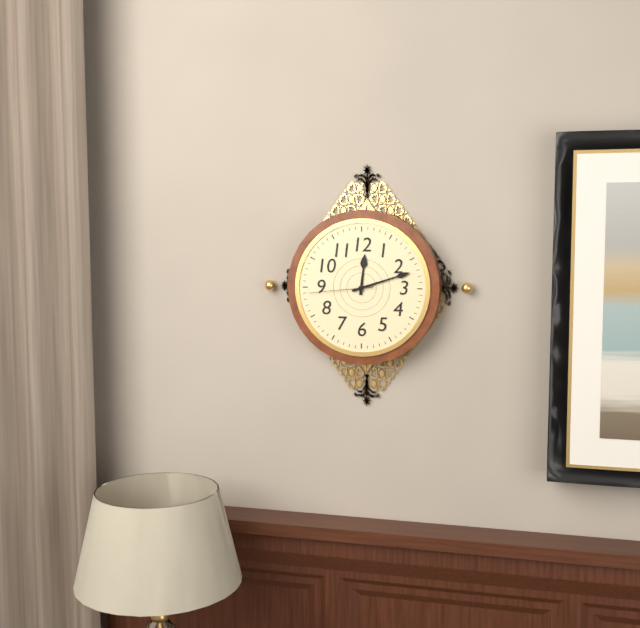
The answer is **12:12:44**
